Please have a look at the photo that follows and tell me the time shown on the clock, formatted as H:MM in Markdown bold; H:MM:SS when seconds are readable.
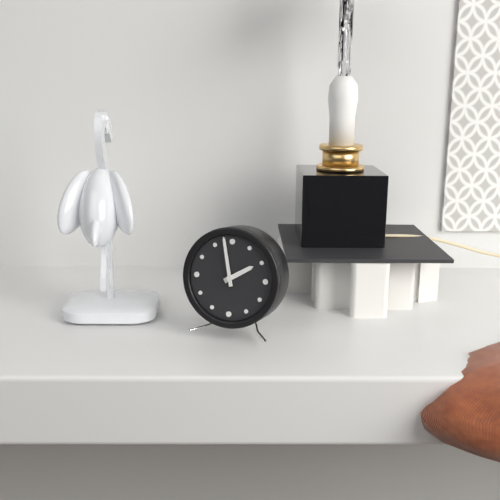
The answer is **1:58**
